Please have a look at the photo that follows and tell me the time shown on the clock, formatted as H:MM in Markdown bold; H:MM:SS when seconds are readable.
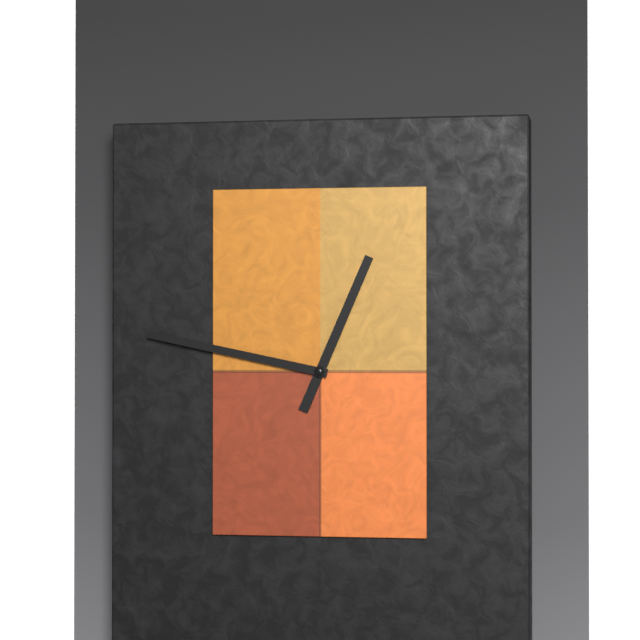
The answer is **12:47**
